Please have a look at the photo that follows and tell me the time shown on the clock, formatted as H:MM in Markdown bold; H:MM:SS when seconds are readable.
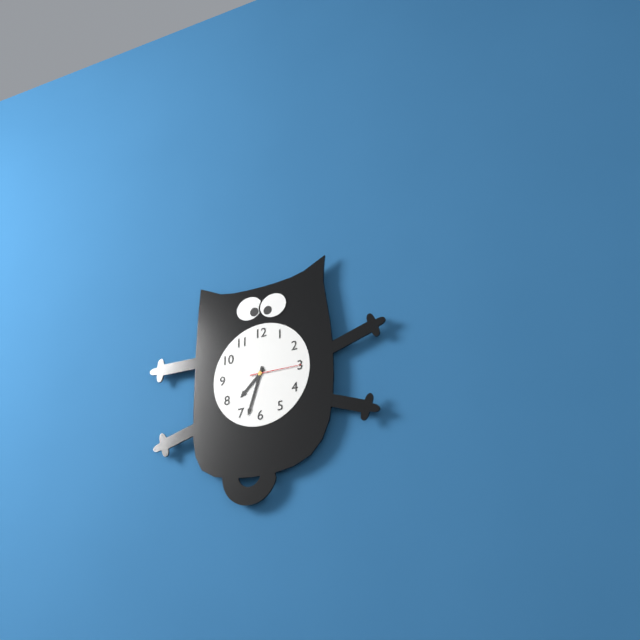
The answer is **7:33:15**
